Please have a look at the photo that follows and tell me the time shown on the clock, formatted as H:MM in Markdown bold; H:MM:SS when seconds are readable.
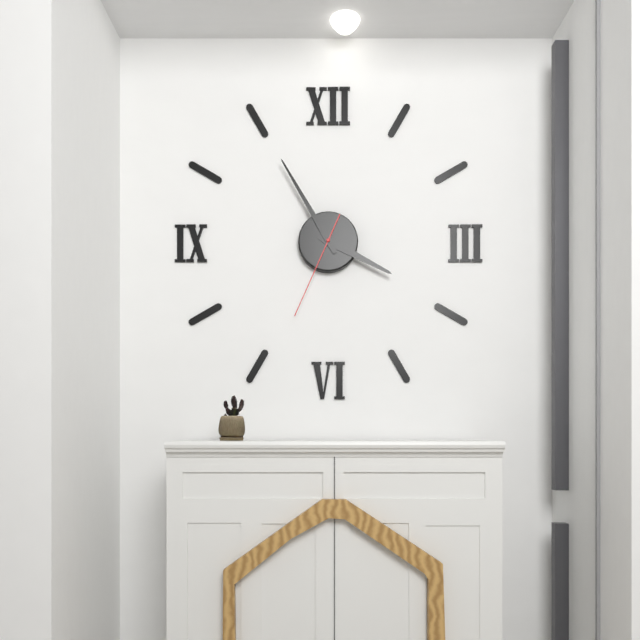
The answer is **3:55:34**
